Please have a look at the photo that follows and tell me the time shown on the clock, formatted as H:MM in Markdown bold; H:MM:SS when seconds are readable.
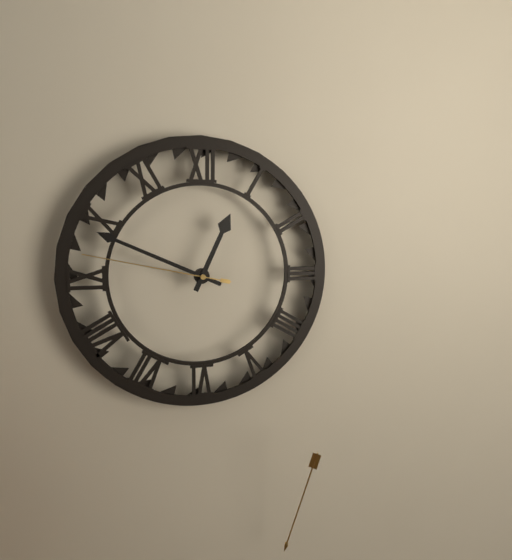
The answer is **12:49:47**
